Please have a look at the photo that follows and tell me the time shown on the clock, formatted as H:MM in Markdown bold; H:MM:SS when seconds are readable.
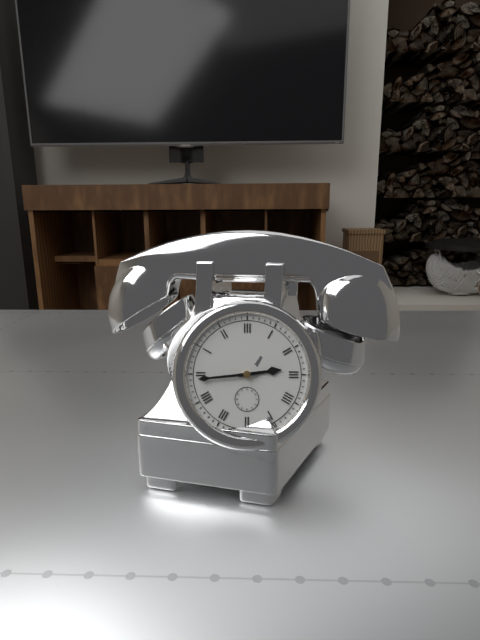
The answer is **2:44**
